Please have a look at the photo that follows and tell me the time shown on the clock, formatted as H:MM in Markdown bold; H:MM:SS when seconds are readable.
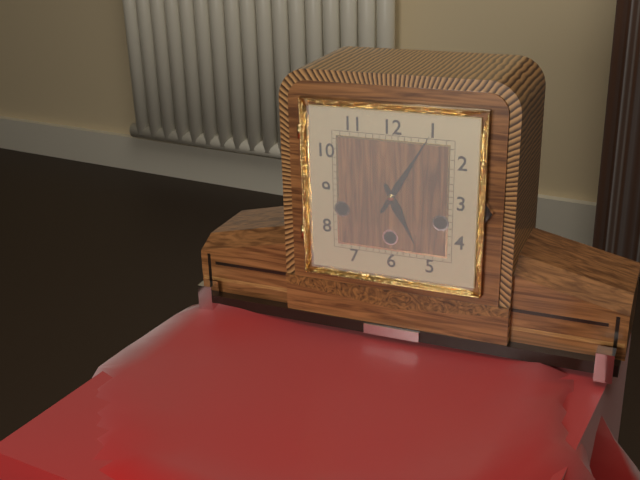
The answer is **5:05**
